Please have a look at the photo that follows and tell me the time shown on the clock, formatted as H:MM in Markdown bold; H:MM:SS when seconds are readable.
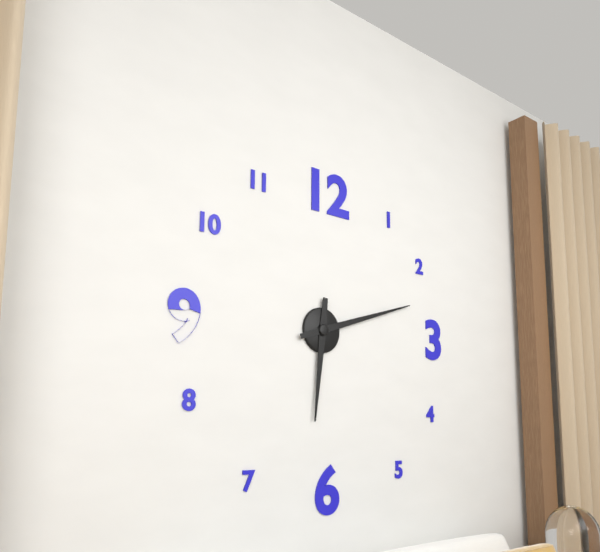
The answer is **6:12**
